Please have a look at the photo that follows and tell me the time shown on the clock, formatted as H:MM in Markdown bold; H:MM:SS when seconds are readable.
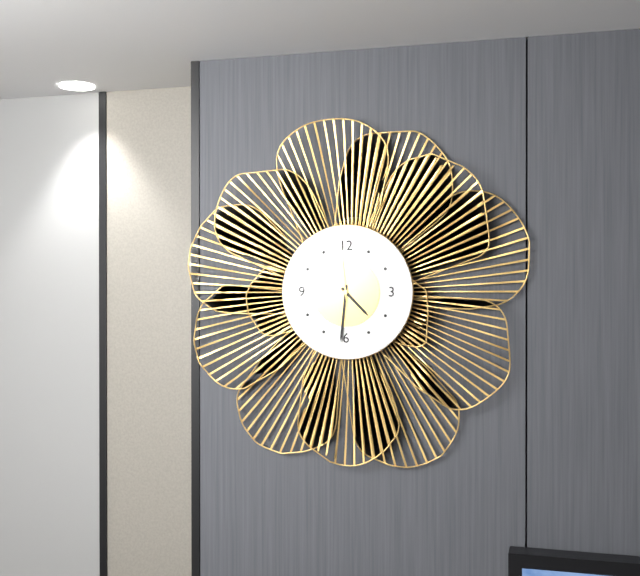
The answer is **4:31:59**
